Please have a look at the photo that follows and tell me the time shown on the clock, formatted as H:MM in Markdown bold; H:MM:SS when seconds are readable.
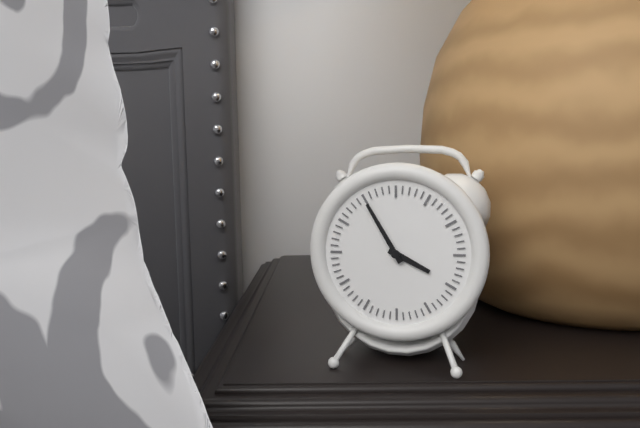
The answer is **3:55**
